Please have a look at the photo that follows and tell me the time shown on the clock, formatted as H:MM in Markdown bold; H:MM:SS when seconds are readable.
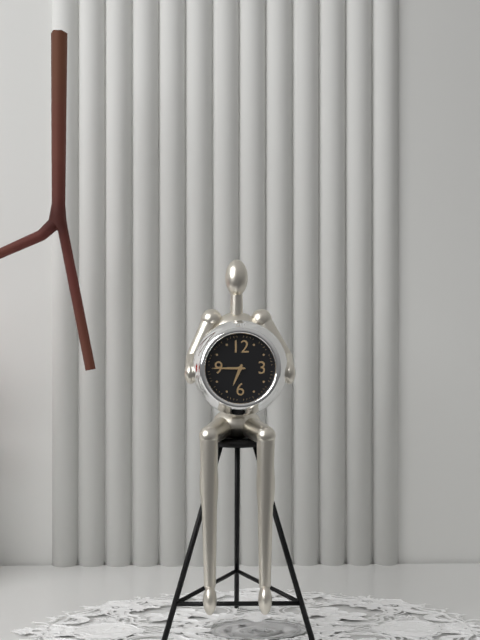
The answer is **6:45**
